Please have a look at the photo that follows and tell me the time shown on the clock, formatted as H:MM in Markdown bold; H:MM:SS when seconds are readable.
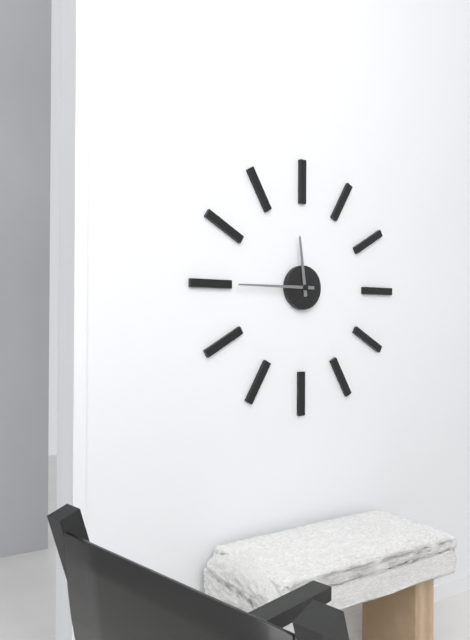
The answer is **11:45**
